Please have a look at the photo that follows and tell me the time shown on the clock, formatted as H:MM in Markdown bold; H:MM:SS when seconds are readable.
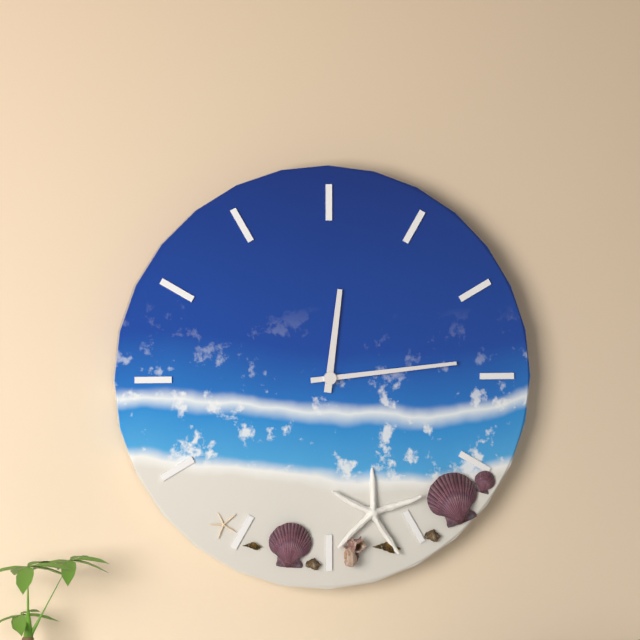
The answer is **12:14**
